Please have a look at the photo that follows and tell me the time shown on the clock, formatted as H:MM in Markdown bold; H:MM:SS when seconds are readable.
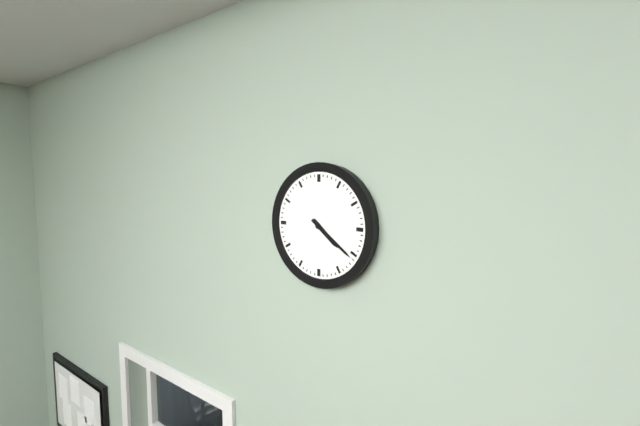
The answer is **4:21**
